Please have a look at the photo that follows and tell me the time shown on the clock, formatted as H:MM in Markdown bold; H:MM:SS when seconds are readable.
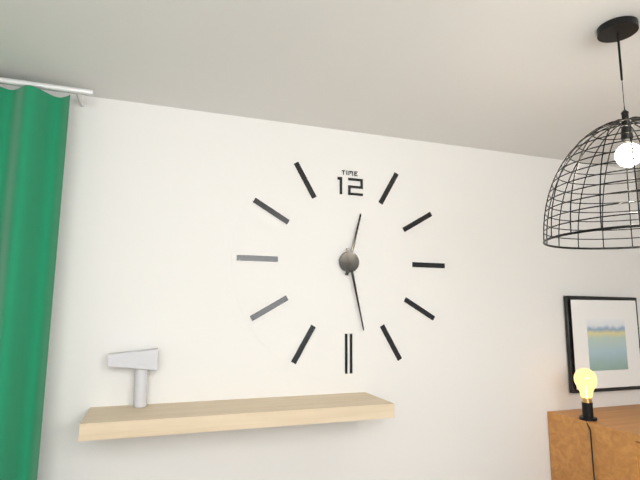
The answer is **12:28**
